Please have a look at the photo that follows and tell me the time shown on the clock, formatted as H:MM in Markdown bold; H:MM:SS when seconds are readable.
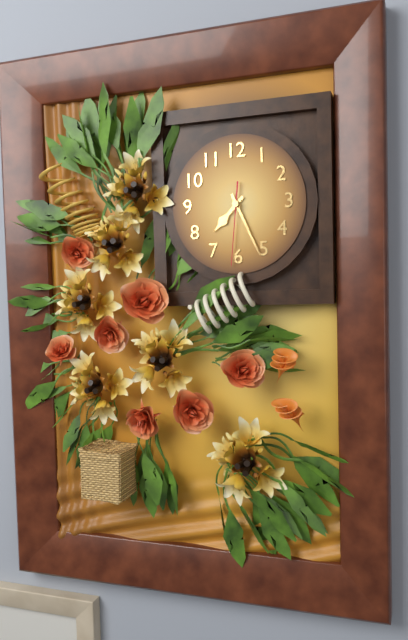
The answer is **7:26:31**
